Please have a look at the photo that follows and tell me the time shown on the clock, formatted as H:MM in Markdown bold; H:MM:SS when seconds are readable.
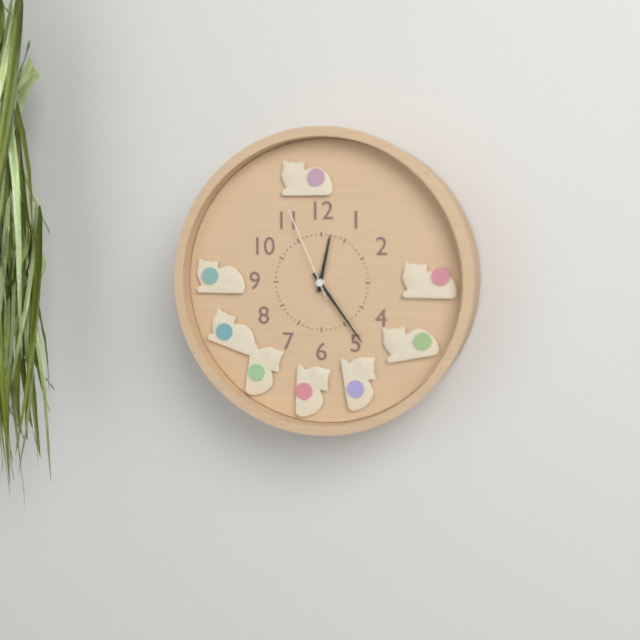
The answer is **12:24:56**
